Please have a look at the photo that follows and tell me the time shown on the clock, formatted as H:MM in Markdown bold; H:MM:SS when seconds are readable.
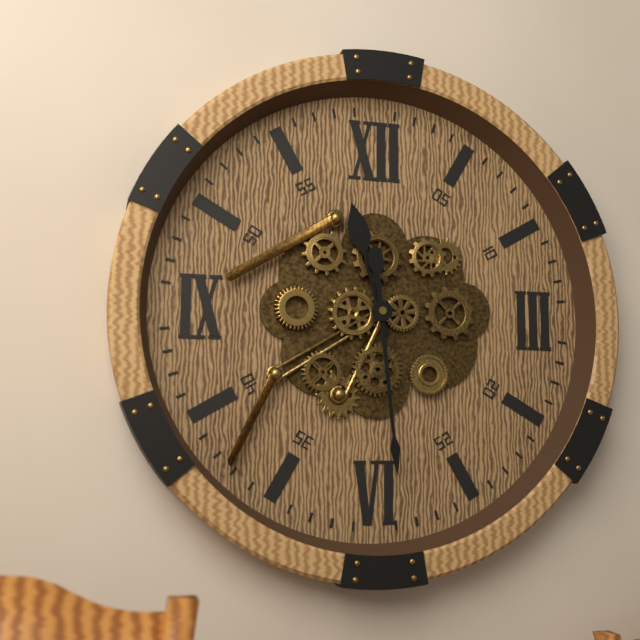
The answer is **11:29**
